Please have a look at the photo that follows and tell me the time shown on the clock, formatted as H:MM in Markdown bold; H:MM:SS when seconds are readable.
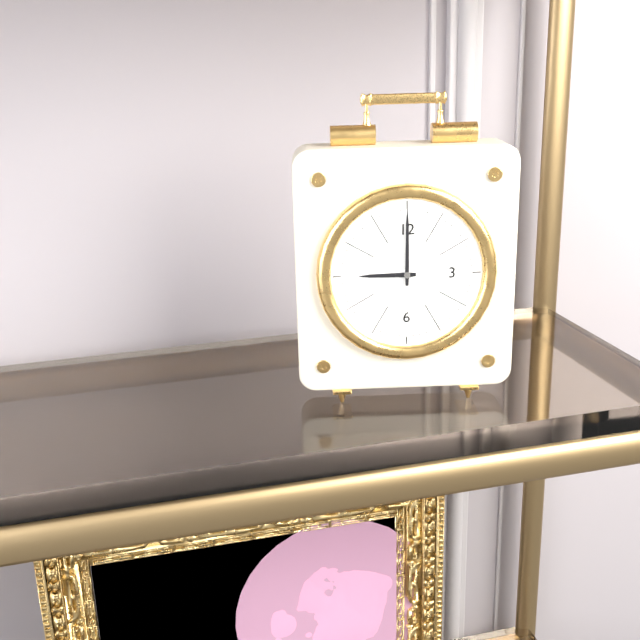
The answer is **9:00**
